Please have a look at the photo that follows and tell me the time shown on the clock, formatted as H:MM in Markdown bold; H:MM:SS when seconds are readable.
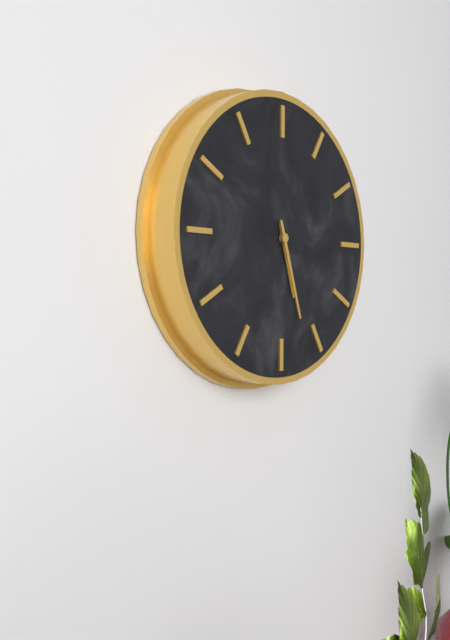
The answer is **5:27**
